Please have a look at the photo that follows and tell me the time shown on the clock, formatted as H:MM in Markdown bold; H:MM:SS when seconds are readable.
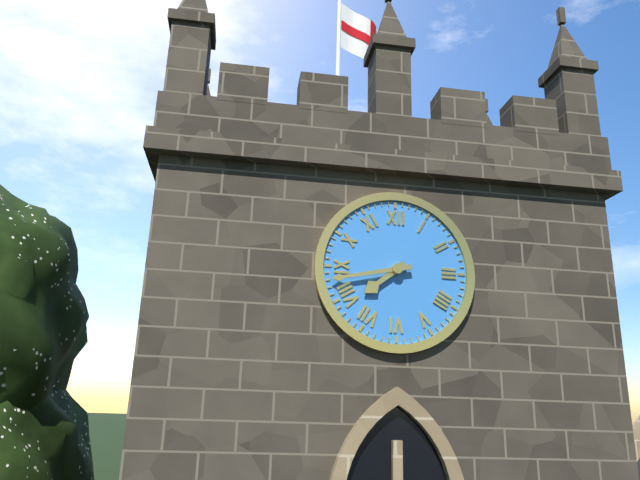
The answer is **7:43**
